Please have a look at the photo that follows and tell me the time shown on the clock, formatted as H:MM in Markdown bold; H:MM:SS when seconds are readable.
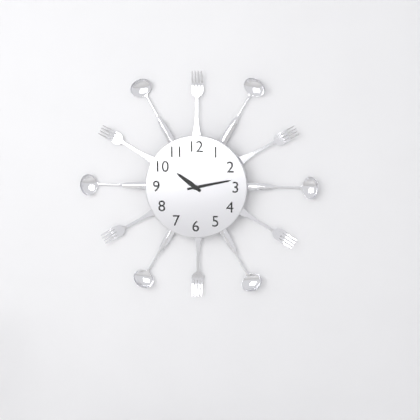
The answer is **10:13**
